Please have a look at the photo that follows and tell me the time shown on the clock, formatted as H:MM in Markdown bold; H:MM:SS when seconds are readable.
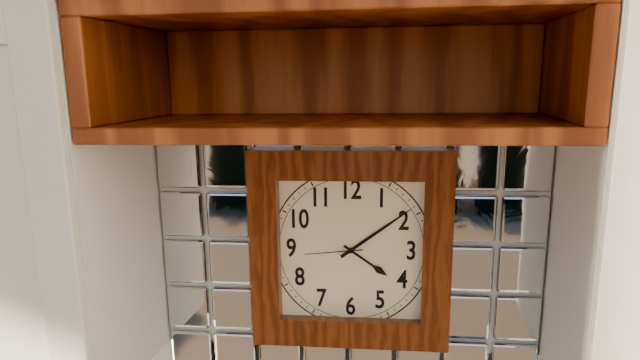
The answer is **4:09:44**
